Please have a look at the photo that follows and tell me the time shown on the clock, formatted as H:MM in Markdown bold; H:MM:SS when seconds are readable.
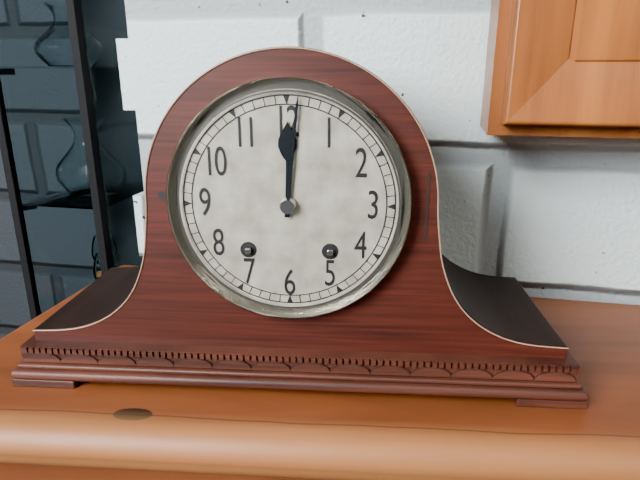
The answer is **12:01**
